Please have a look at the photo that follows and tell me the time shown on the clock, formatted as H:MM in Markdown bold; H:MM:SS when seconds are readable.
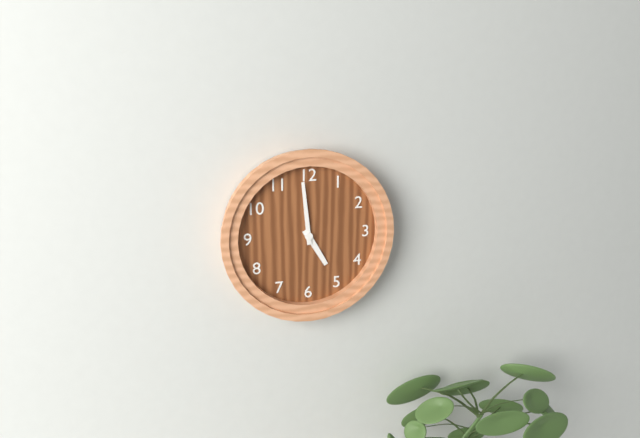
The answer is **4:59**
